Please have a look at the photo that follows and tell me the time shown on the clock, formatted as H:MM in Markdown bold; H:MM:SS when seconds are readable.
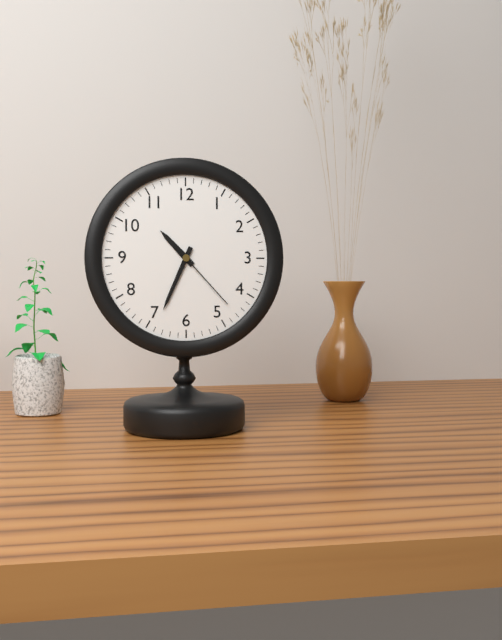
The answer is **10:34:23**
